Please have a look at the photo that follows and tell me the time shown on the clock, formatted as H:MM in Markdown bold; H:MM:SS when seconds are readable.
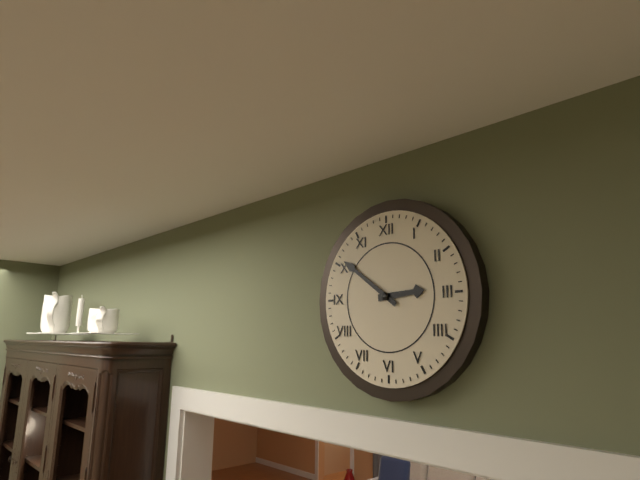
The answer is **2:51**
